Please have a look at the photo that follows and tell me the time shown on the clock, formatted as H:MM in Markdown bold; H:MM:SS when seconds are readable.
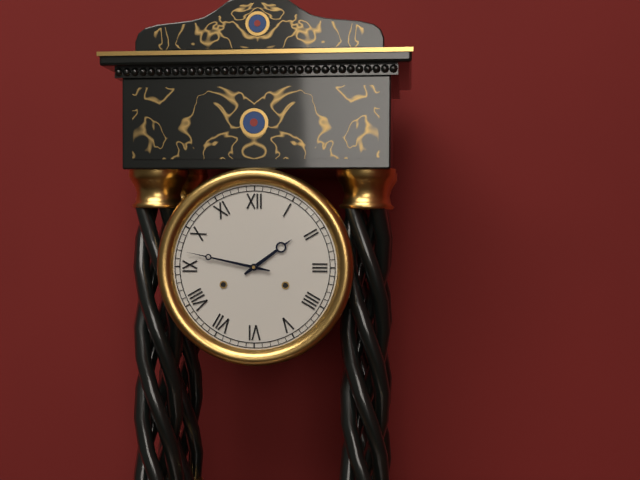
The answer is **1:47**
